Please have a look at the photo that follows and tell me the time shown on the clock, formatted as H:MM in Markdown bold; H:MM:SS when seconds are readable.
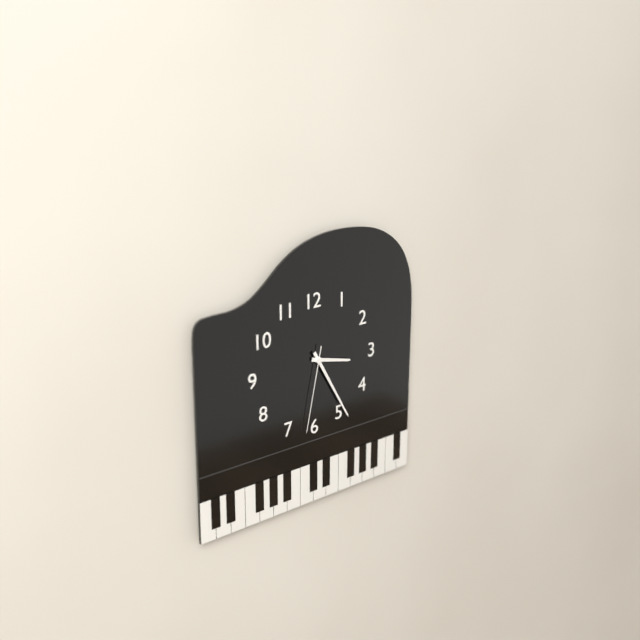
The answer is **3:25:32**
